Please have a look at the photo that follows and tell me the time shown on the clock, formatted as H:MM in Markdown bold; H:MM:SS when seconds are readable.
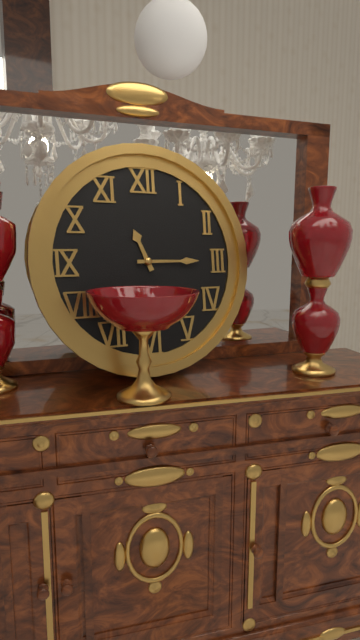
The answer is **11:15**
